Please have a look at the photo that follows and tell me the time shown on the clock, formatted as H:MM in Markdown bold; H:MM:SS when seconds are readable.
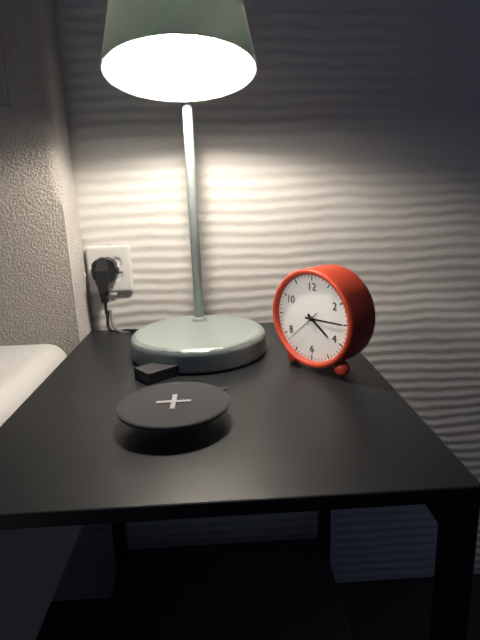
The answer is **4:15**
